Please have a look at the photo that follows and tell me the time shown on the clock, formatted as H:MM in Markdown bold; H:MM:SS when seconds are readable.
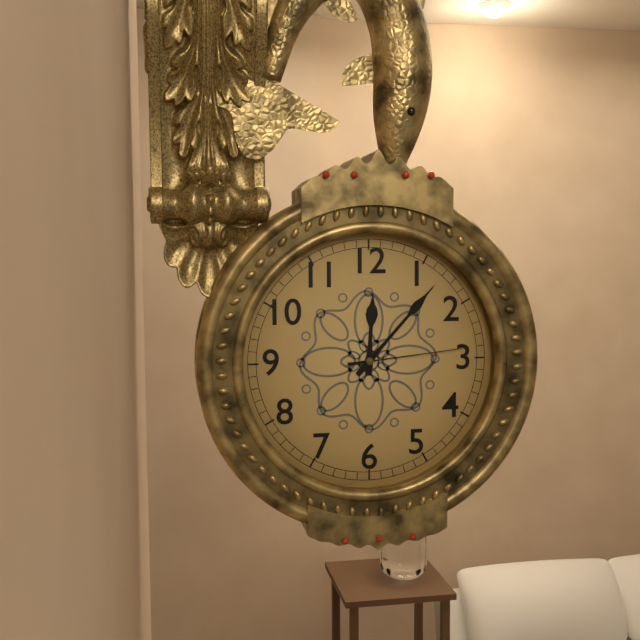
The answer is **12:07:14**
